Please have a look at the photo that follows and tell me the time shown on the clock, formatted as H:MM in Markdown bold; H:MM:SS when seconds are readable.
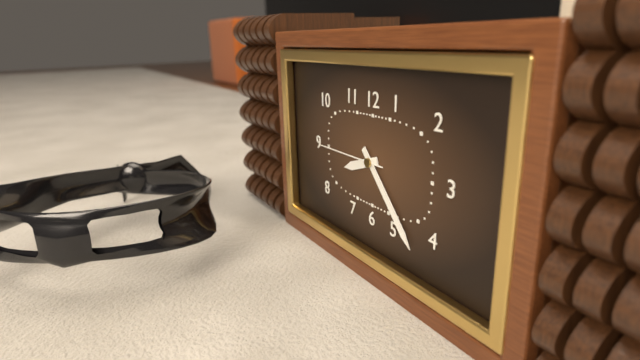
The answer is **8:23:45**
